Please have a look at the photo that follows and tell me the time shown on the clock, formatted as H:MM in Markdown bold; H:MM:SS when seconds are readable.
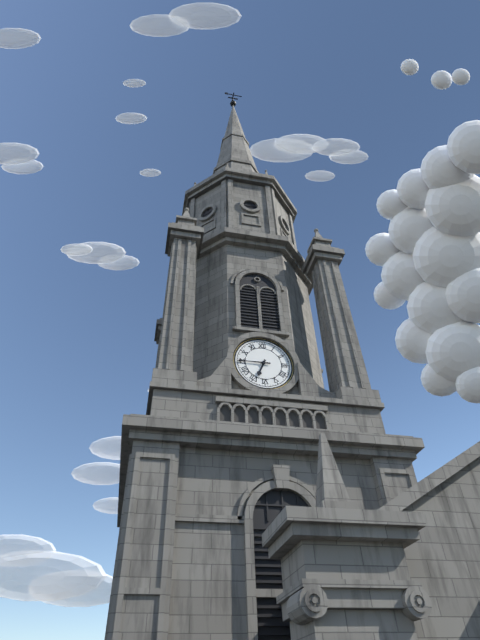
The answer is **6:45**
